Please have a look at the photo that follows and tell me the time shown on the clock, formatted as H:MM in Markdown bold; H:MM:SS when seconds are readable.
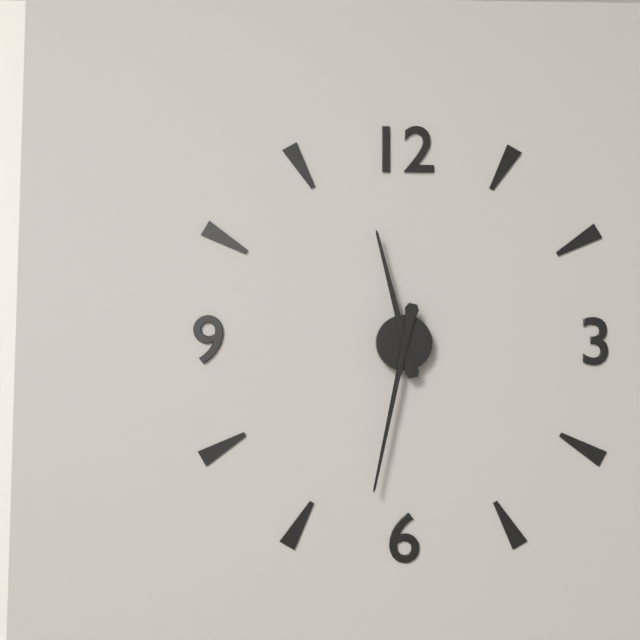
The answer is **11:32**
